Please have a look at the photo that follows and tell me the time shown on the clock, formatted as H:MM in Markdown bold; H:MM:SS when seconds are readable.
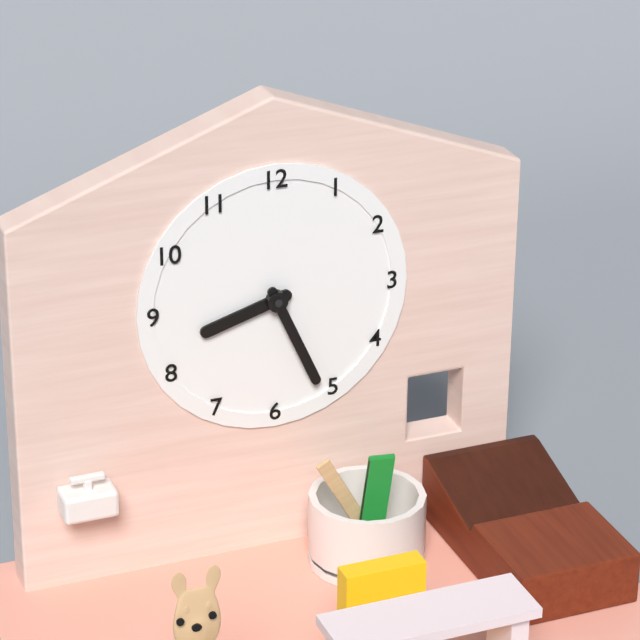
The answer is **8:26**
